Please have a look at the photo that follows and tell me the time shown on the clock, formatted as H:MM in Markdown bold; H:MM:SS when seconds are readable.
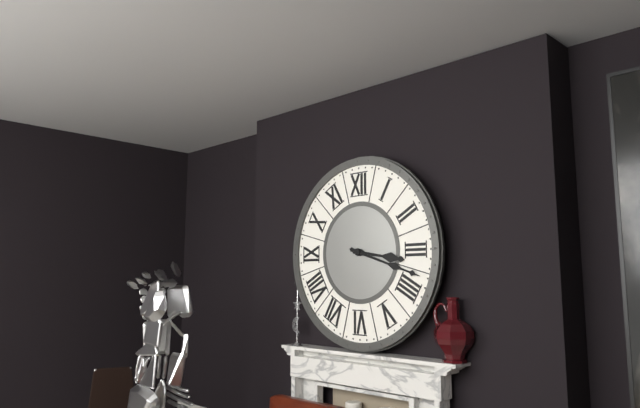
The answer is **3:18**
